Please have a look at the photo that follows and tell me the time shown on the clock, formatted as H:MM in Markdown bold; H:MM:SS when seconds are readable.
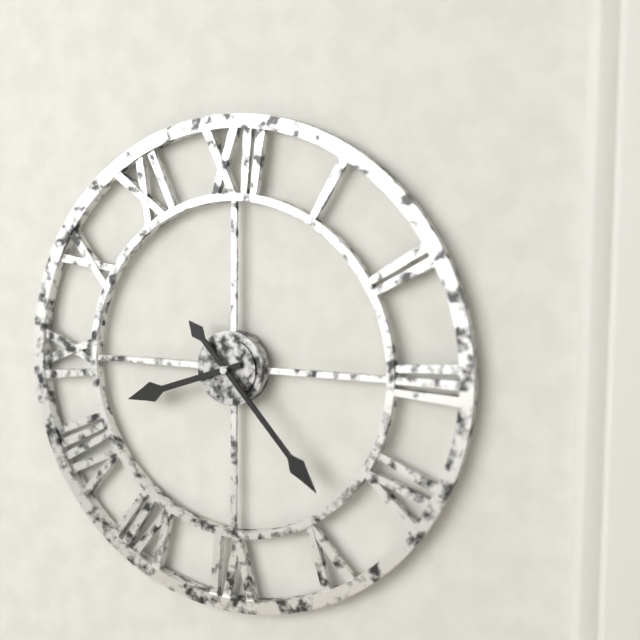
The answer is **8:23**
